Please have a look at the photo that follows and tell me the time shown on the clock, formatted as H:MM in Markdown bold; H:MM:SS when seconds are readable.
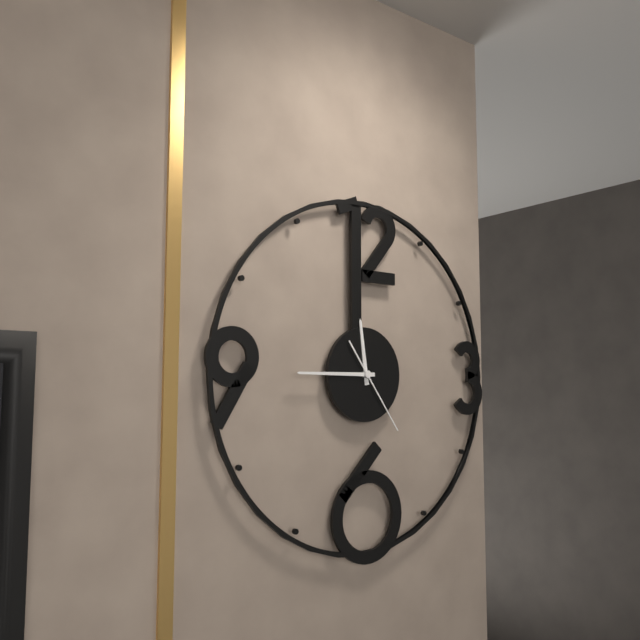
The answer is **11:45:24**
